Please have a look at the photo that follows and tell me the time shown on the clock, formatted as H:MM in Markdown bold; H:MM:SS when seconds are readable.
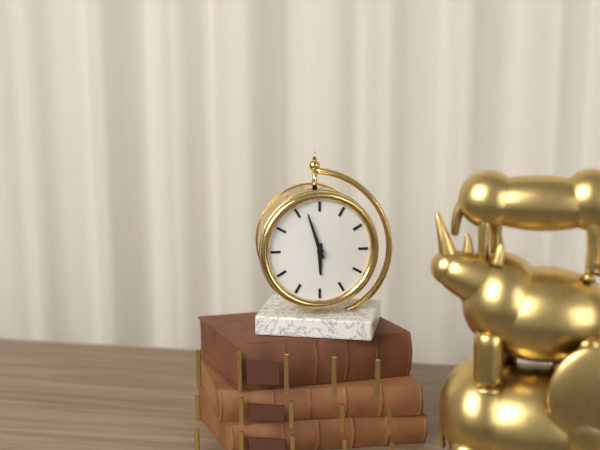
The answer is **5:57**
